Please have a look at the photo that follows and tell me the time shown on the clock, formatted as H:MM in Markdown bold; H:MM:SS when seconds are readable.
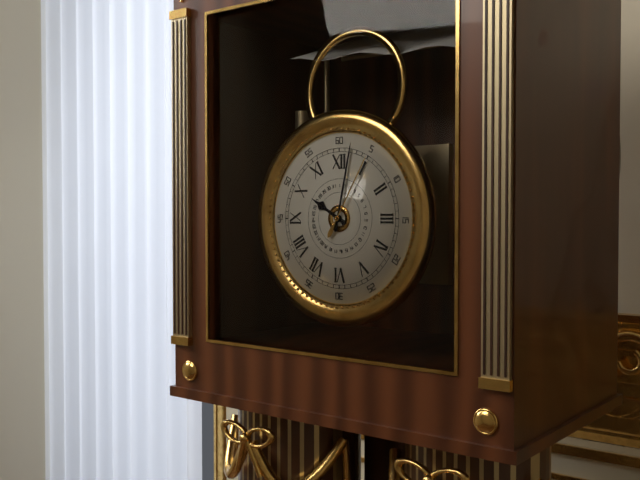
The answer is **10:02:05**
